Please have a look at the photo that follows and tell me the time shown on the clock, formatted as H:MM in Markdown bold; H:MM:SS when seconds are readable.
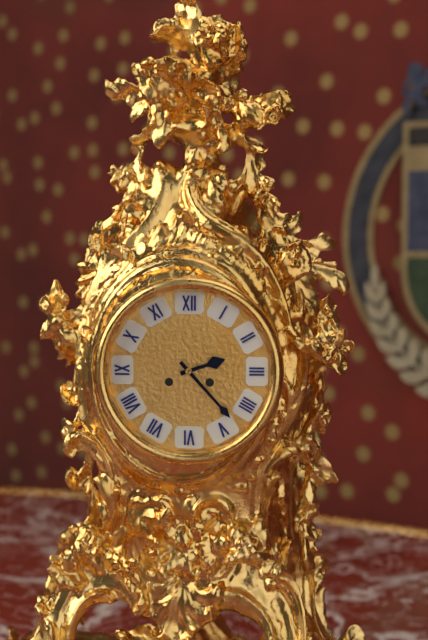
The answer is **2:23**
